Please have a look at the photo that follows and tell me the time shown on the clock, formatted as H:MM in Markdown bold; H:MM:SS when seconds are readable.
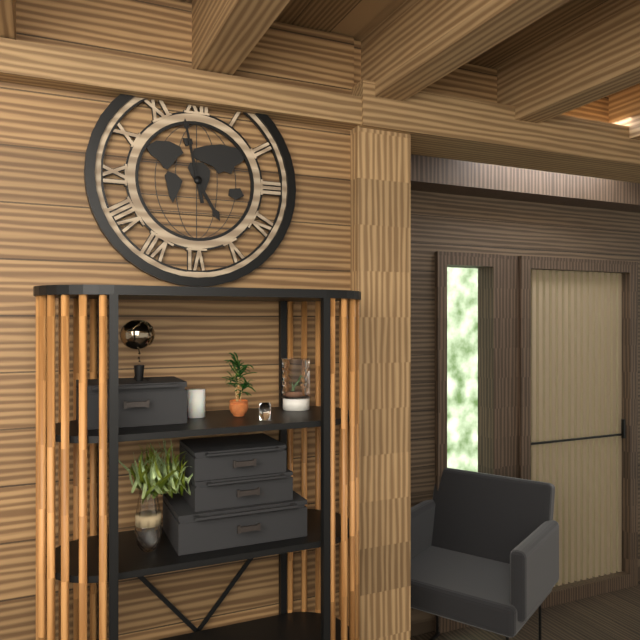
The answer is **4:58**
